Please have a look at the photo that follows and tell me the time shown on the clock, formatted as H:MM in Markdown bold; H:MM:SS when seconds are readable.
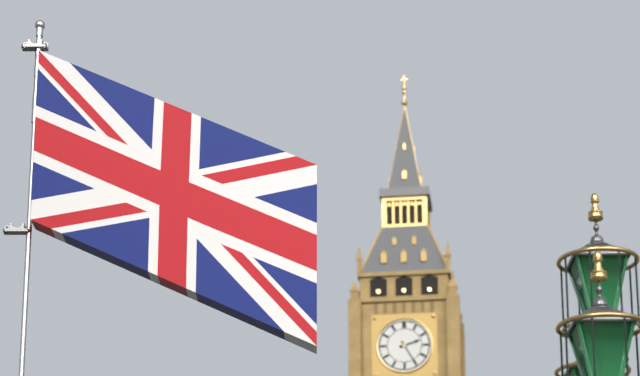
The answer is **2:25**
